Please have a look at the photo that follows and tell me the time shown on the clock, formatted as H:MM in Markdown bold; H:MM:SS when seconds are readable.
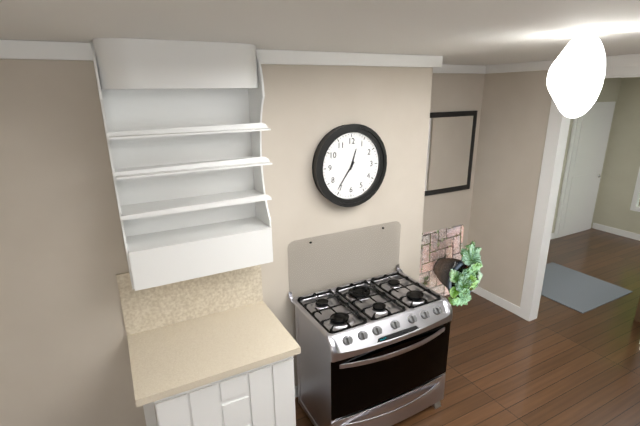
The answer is **12:36**
